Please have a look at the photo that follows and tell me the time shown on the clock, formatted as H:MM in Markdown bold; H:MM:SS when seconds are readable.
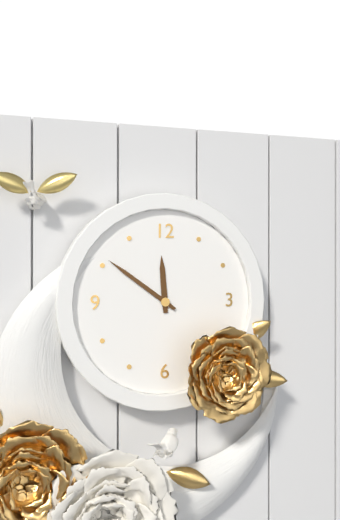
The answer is **11:51**
